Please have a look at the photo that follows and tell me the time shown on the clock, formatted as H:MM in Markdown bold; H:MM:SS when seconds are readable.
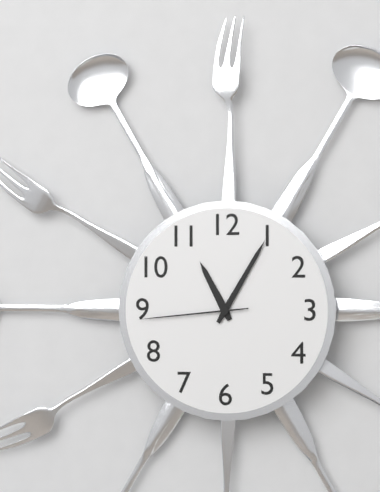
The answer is **11:05:44**
